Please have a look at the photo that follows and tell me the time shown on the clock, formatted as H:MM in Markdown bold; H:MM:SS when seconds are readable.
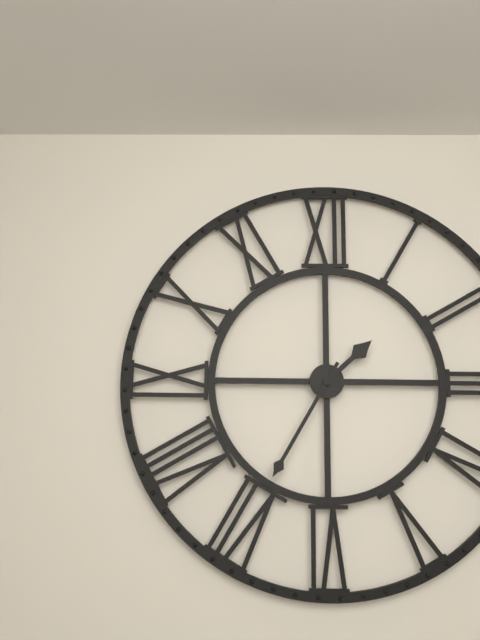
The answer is **1:35**
